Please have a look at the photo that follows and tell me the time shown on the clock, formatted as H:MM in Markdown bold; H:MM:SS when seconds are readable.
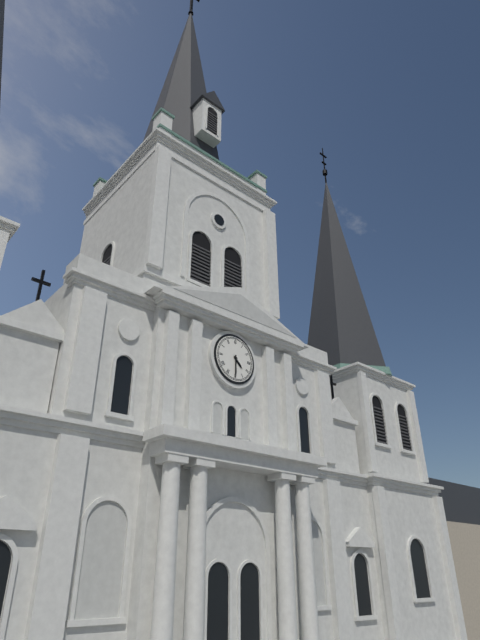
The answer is **4:30**
